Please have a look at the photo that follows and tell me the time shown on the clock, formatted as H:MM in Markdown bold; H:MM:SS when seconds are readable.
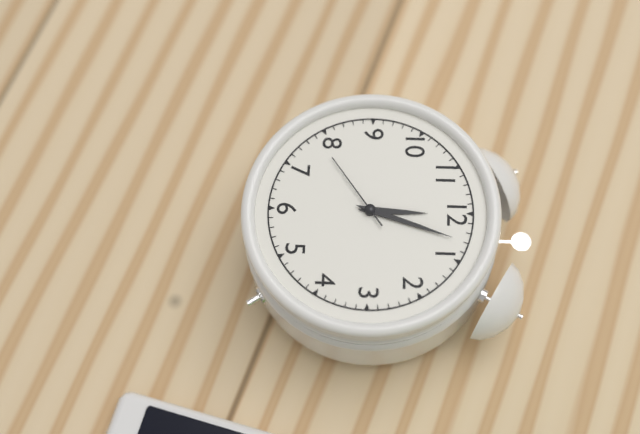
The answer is **12:03:39**
